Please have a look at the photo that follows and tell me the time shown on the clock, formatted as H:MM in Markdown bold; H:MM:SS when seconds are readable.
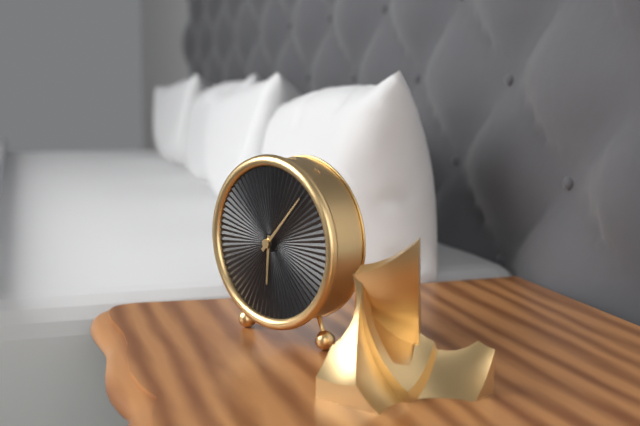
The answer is **6:07**
